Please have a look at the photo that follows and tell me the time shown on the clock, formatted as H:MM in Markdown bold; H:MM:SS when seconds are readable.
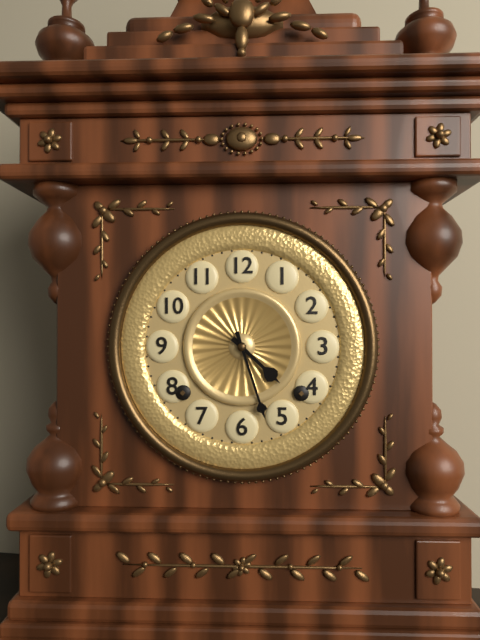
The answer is **4:27**
